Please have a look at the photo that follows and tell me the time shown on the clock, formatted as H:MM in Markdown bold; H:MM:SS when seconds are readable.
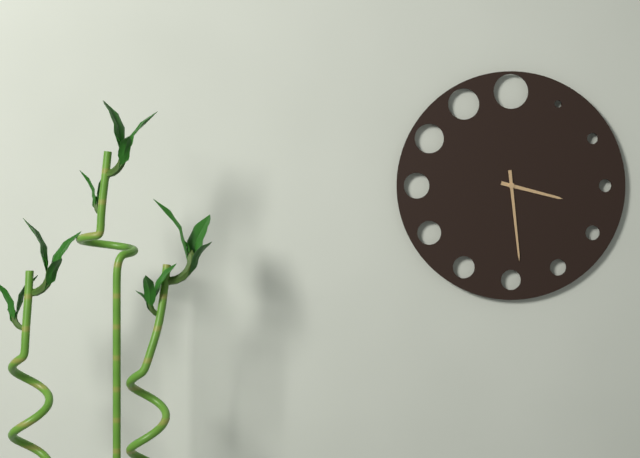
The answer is **3:29**
